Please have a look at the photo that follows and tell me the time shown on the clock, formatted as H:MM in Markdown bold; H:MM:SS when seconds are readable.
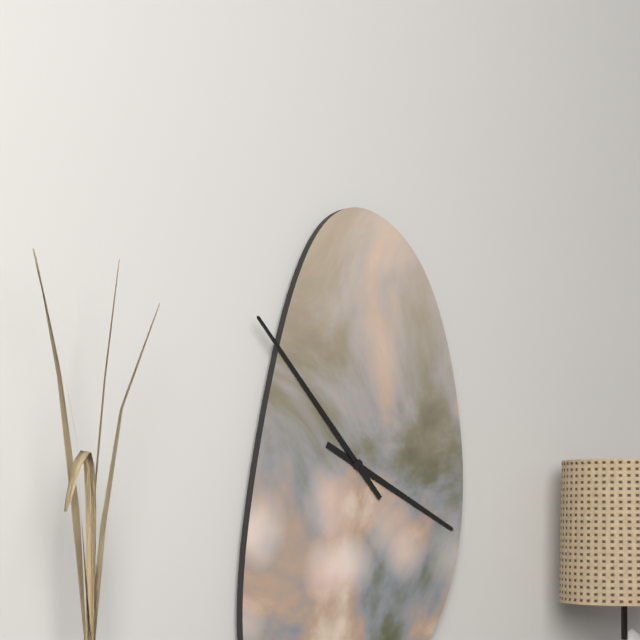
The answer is **3:53**
